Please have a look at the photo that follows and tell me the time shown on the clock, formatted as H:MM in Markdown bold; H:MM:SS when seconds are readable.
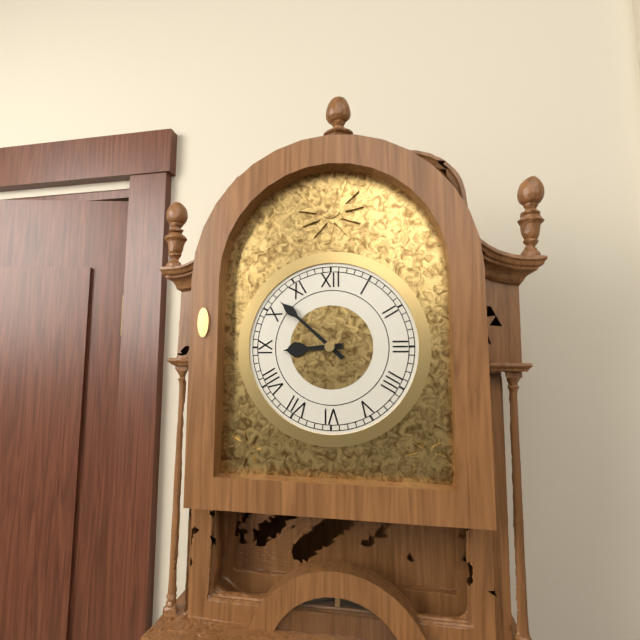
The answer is **8:52**
